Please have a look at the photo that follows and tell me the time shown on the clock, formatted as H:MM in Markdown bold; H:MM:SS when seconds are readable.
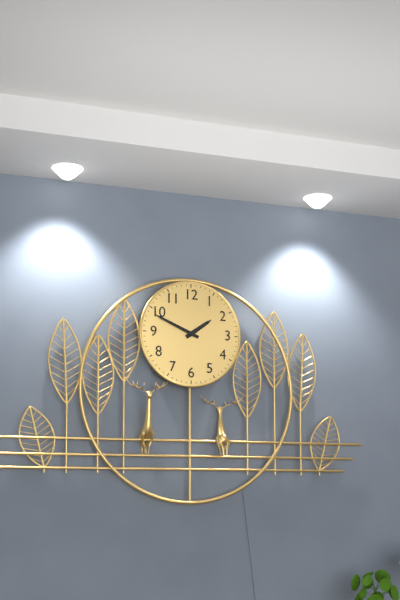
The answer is **1:49**
